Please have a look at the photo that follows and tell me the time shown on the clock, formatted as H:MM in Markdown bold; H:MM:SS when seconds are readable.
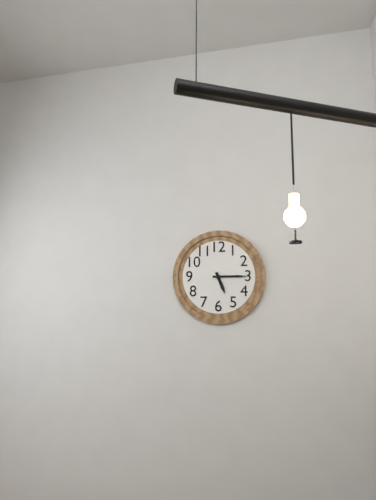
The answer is **5:15**
